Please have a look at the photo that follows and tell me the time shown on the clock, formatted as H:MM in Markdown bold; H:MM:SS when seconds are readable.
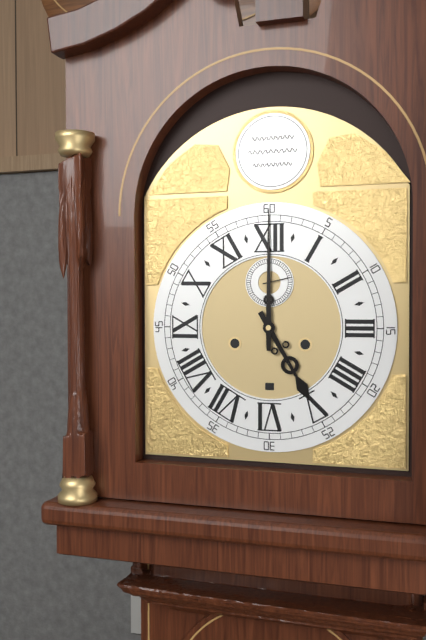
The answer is **5:00**
